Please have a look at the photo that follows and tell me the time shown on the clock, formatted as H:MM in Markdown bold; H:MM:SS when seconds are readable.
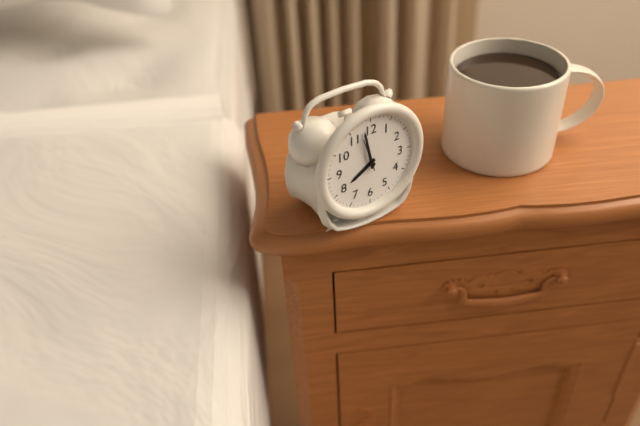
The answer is **7:58**
